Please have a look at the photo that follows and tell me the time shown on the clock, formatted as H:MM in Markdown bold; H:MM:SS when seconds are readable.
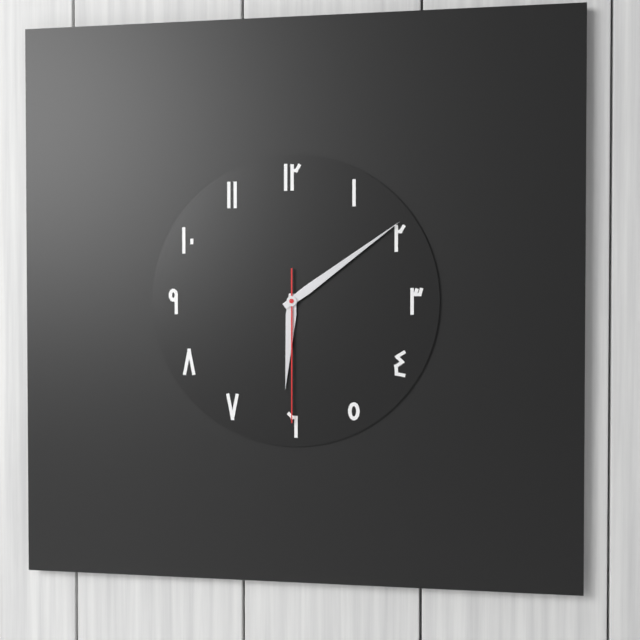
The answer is **6:09:30**
